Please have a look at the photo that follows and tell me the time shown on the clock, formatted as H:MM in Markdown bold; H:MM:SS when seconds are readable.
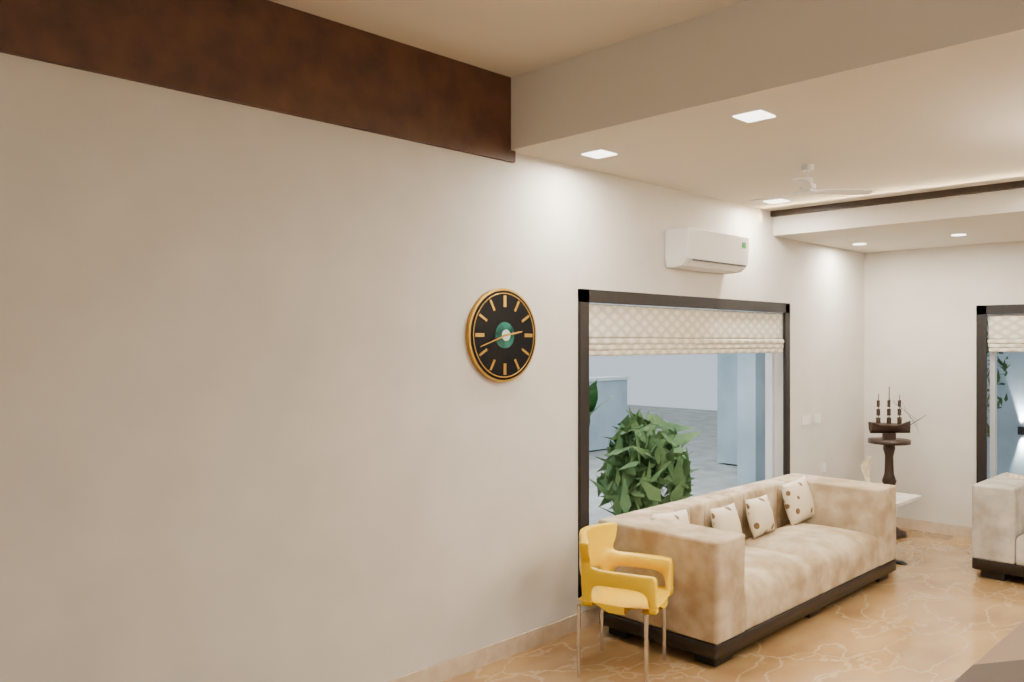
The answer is **2:42**
